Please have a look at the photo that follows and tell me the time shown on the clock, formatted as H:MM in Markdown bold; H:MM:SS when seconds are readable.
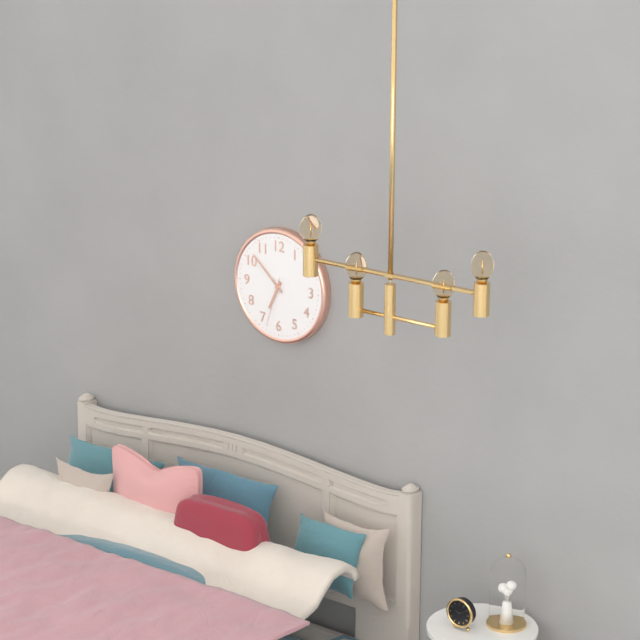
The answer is **6:52:33**
